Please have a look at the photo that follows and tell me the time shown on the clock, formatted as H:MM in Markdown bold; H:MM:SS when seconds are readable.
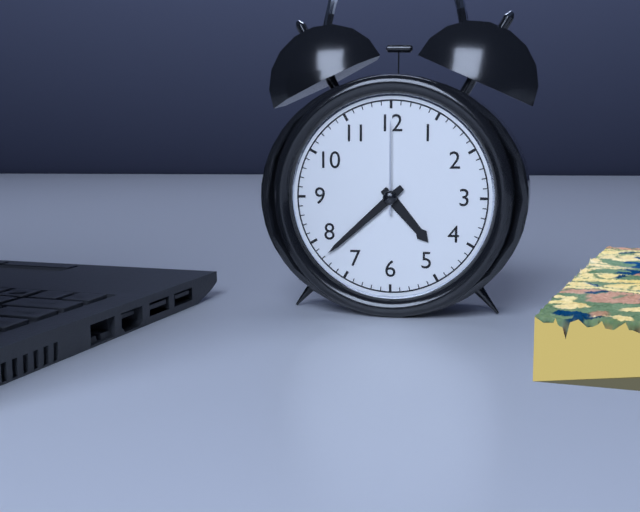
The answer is **4:38:00**
